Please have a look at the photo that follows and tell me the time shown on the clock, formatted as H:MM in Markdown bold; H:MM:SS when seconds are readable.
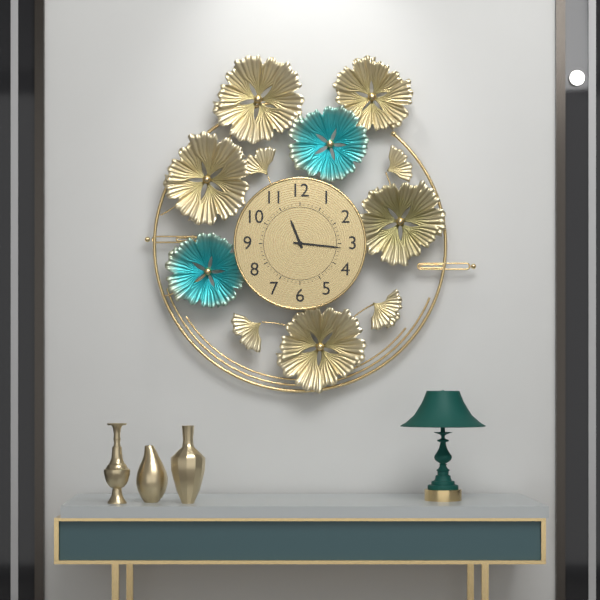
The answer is **11:16**
